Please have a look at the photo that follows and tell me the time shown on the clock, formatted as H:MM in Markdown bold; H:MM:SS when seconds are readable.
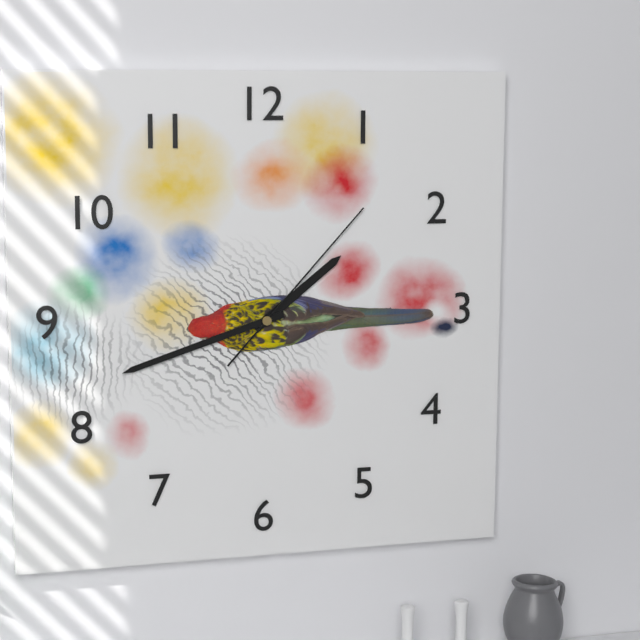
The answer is **1:42:07**
